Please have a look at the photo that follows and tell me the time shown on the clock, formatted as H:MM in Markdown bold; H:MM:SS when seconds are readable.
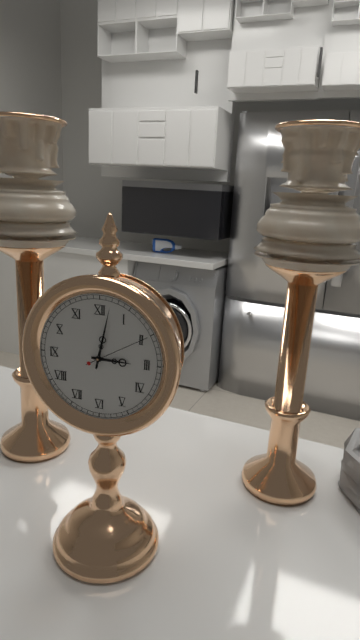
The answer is **3:02:10**
